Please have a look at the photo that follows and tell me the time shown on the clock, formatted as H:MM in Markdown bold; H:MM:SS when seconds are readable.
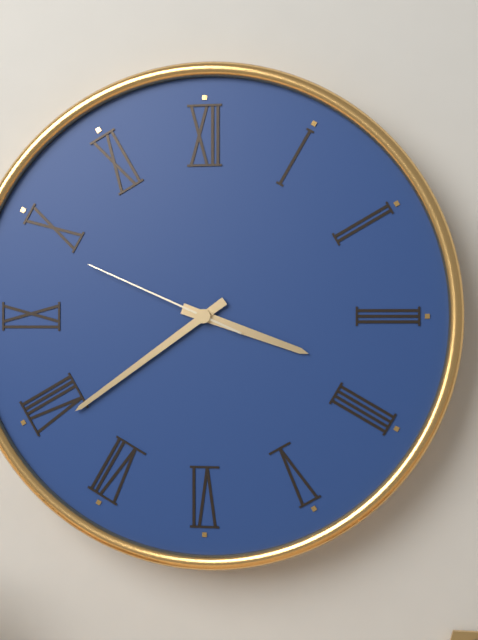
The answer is **3:39:49**
